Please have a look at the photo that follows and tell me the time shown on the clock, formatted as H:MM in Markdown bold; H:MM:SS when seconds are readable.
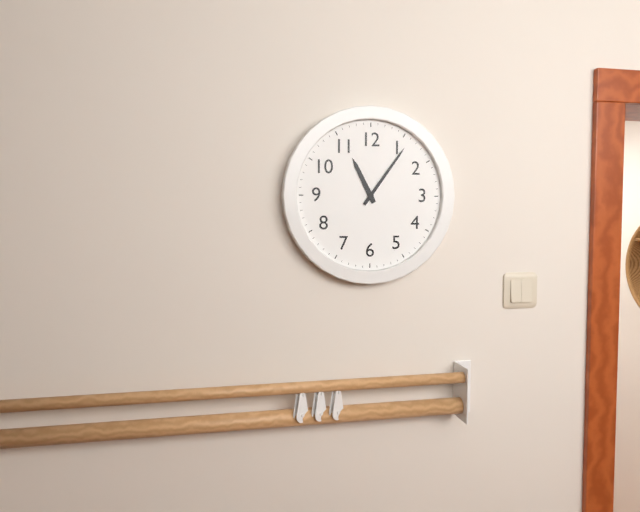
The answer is **11:06**
